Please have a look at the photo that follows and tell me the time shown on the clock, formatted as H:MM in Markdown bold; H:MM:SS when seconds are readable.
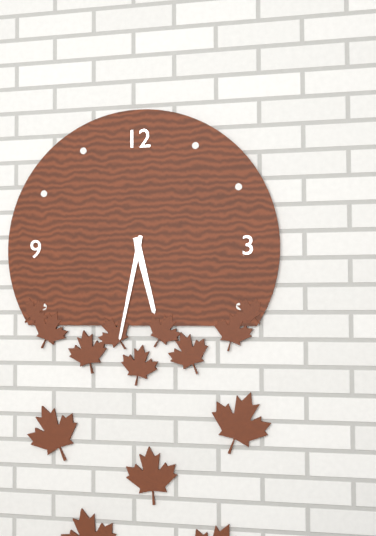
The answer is **5:32**
